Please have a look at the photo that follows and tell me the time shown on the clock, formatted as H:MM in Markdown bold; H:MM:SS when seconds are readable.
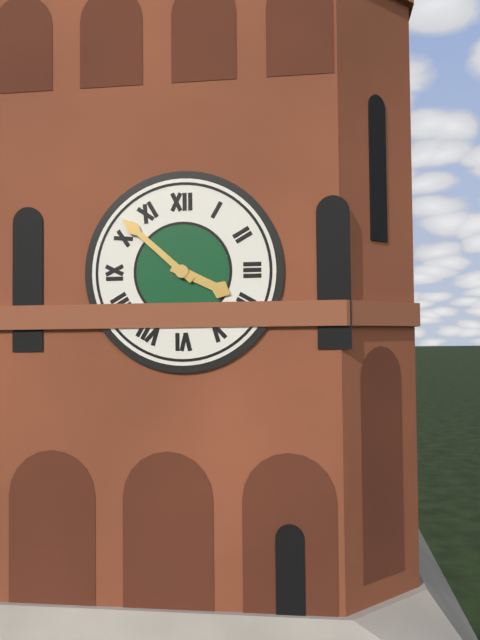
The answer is **3:52**
